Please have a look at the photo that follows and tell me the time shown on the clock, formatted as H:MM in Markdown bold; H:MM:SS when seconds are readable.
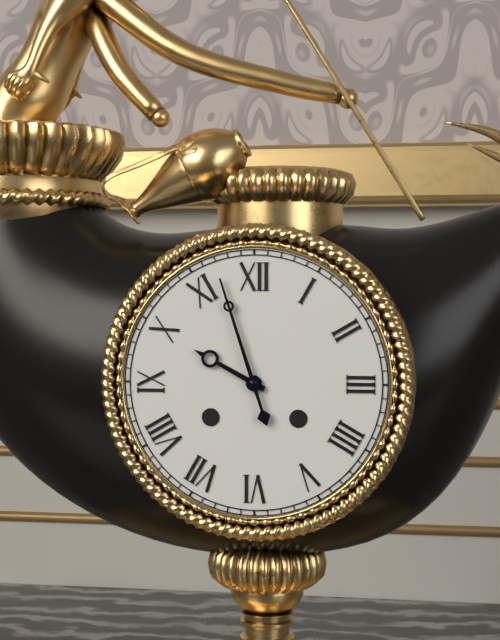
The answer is **9:57**
